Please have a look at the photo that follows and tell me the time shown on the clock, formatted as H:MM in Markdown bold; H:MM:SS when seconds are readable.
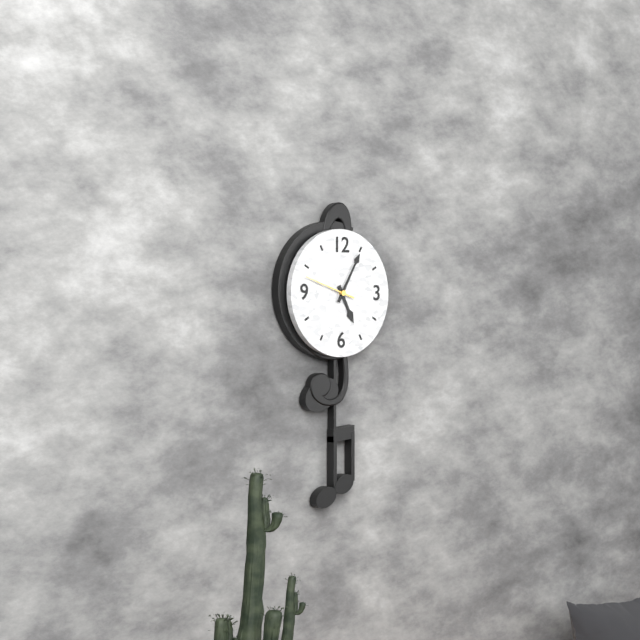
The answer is **5:05:48**
